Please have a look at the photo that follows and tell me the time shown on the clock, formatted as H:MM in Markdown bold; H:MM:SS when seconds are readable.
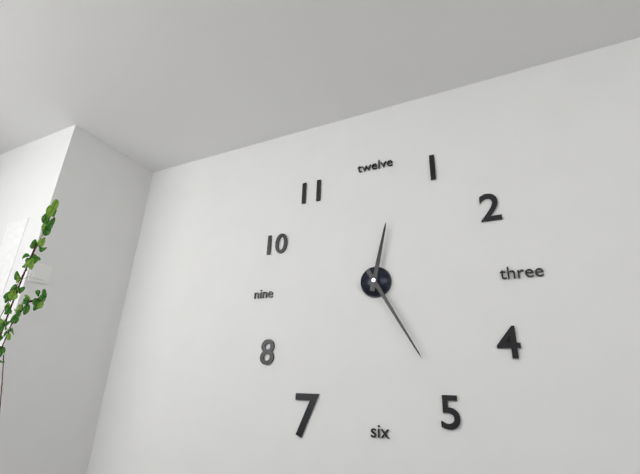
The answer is **12:25**
